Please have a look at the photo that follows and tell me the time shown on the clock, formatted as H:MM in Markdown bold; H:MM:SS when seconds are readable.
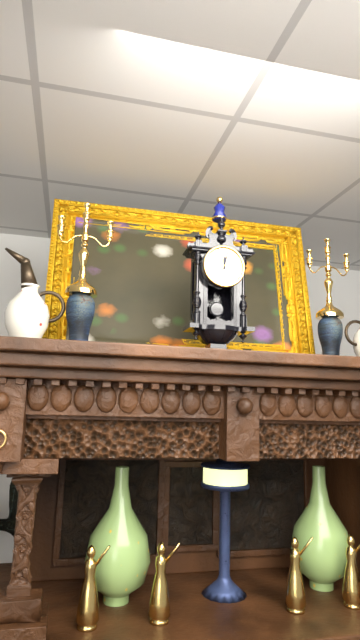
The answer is **12:02**
